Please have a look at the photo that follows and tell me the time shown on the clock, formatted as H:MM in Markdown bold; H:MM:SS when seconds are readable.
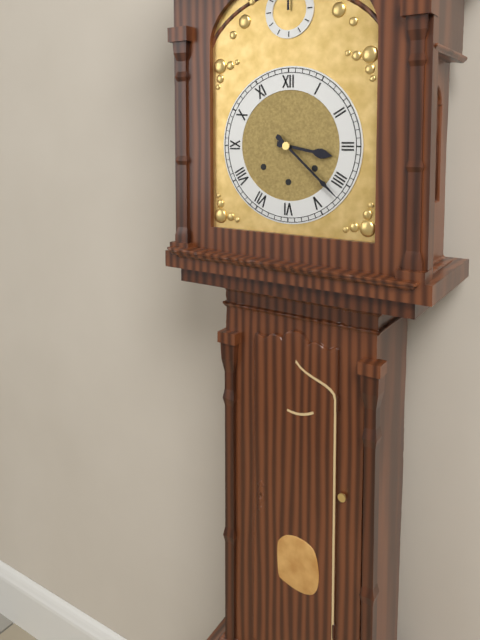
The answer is **3:22**
